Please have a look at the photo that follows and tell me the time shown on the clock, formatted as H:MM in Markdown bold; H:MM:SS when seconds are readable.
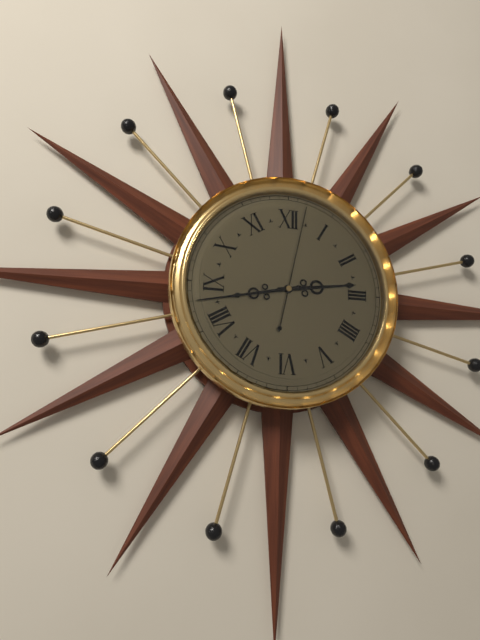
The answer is **2:43:02**
